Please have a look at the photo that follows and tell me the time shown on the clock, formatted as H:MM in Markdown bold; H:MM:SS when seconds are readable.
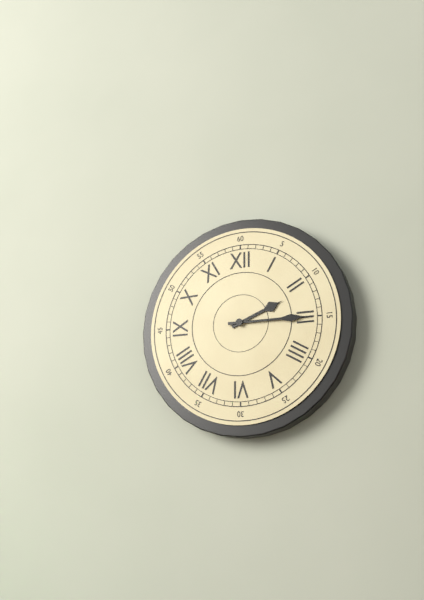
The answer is **2:15**
